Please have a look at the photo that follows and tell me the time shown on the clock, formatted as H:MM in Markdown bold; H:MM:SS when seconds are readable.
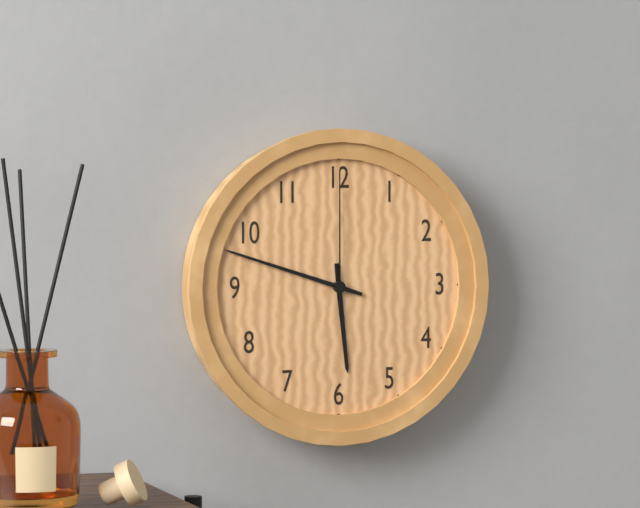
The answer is **5:48:00**
